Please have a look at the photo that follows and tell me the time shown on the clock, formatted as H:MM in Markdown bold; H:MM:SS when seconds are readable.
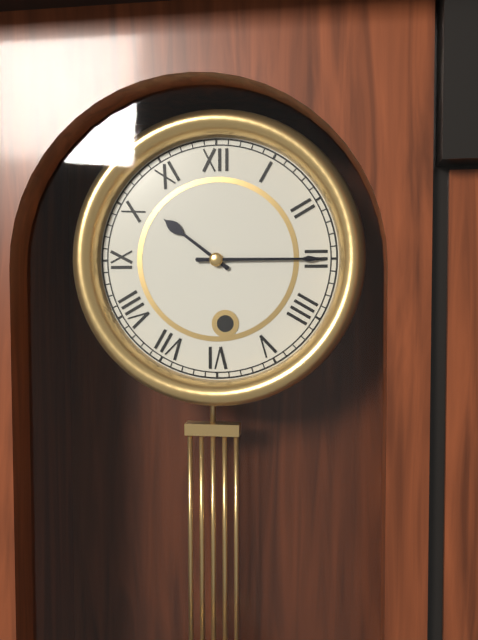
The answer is **10:15**
